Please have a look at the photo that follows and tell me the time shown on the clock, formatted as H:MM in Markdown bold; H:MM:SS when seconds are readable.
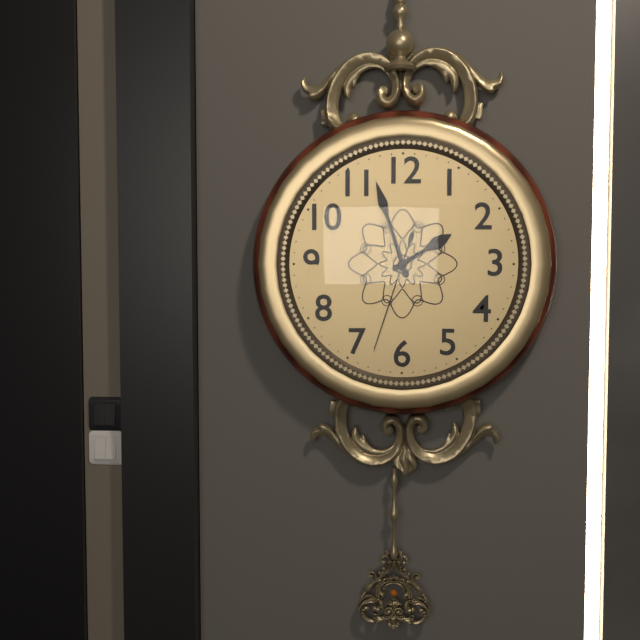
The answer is **1:57:33**
